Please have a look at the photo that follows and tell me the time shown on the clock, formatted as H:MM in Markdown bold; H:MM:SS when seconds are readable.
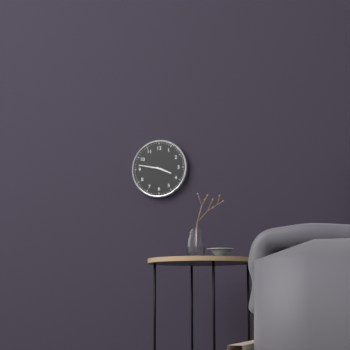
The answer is **3:47**
